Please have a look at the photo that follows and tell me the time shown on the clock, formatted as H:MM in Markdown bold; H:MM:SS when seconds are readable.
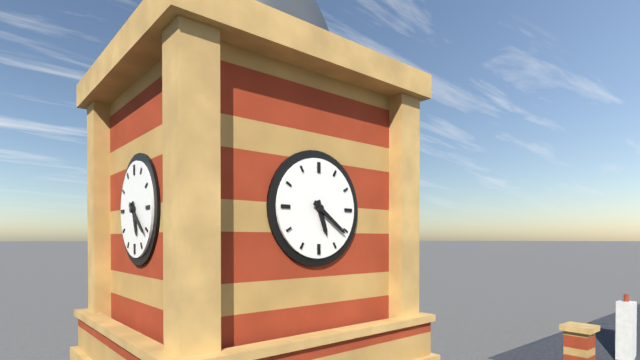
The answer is **5:21**
